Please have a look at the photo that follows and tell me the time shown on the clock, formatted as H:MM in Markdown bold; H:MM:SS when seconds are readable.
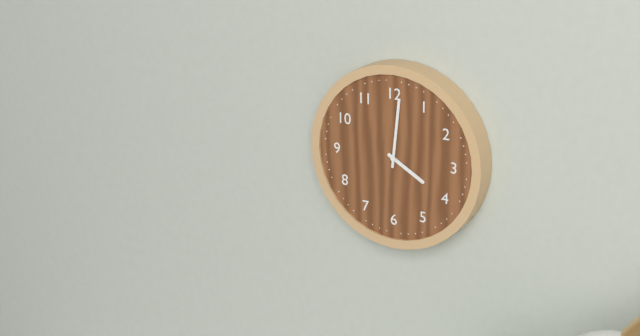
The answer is **4:01**
